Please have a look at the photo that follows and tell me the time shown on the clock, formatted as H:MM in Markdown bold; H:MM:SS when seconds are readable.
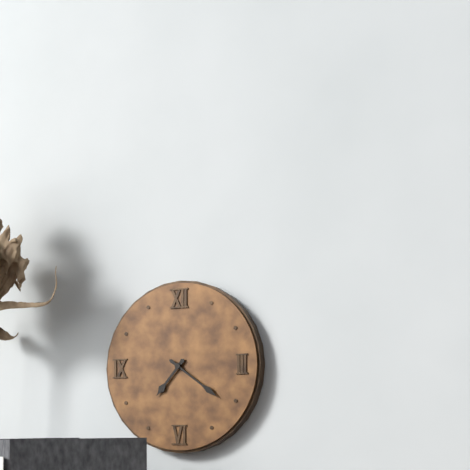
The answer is **7:21**
